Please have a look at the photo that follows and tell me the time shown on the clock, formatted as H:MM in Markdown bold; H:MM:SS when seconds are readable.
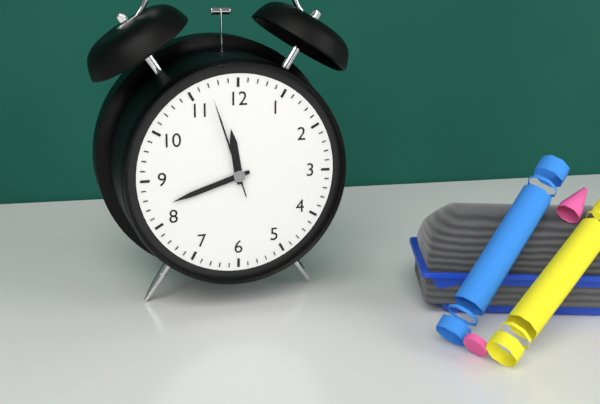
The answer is **11:42:57**
